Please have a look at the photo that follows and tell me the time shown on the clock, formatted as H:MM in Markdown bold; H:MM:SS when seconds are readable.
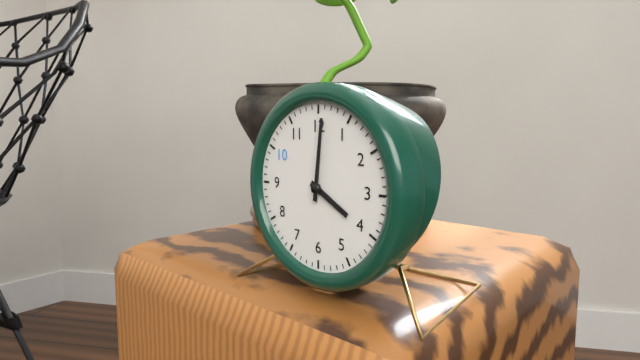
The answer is **4:01**
